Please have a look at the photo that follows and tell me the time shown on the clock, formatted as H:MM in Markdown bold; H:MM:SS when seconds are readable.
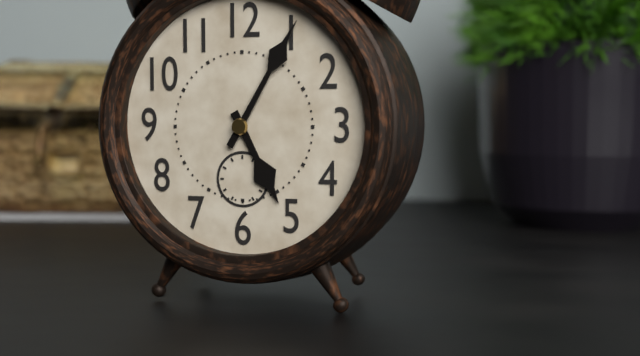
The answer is **5:05**
